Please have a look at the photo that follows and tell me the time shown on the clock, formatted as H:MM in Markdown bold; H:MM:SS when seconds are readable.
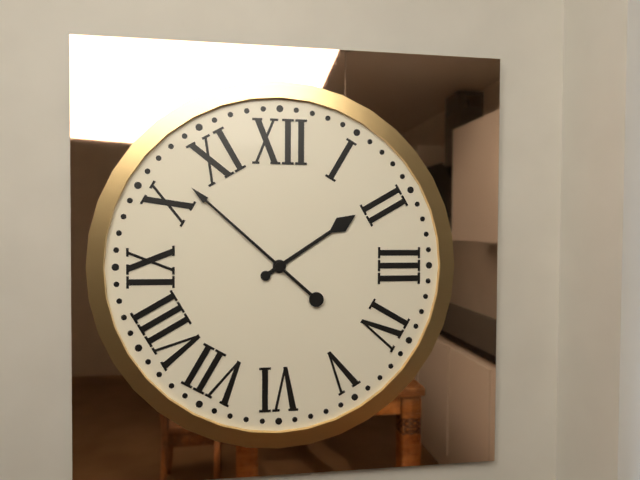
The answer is **1:52**
